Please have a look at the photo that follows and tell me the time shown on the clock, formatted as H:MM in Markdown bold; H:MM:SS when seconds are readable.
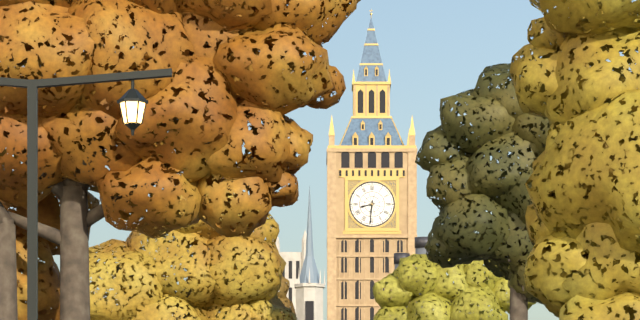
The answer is **8:31**
